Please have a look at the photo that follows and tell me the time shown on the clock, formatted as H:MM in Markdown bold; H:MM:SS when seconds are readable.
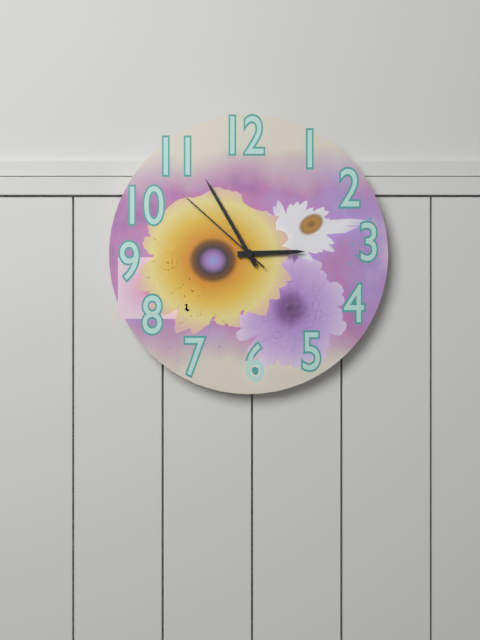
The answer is **2:55:52**
